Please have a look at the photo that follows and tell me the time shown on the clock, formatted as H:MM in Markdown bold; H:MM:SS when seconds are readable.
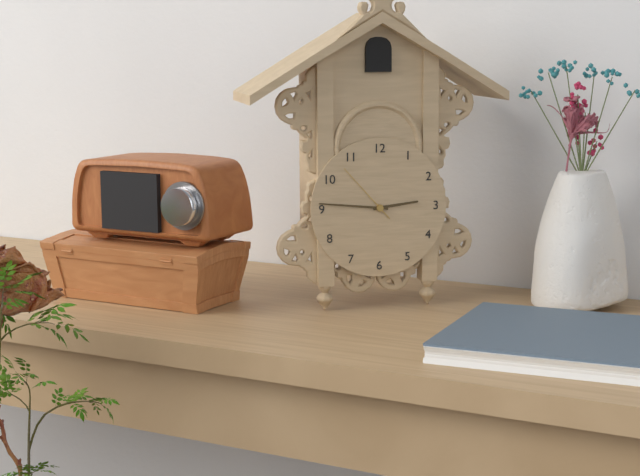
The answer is **2:46:53**
